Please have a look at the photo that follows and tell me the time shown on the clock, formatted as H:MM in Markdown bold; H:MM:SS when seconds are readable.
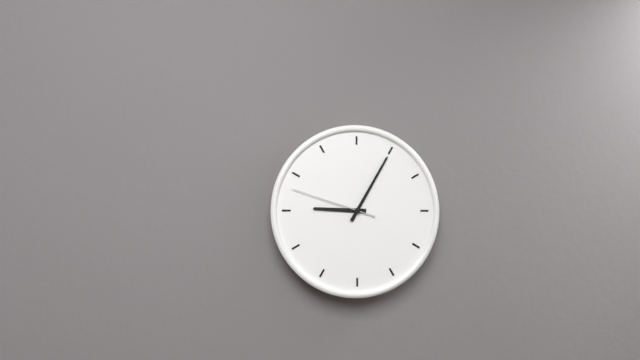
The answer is **9:05:48**
